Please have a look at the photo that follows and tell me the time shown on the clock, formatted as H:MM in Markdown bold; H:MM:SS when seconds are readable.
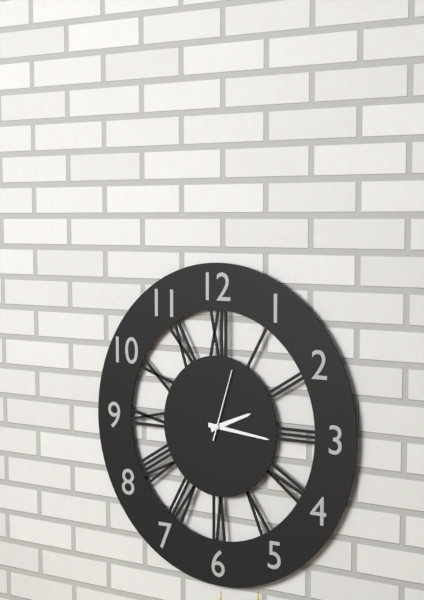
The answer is **2:16:03**
